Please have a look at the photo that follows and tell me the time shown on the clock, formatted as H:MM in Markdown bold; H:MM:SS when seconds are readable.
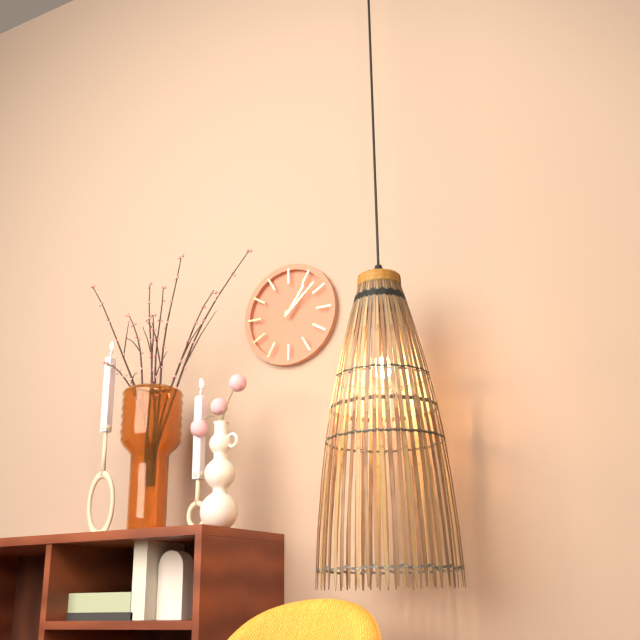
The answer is **1:08**
